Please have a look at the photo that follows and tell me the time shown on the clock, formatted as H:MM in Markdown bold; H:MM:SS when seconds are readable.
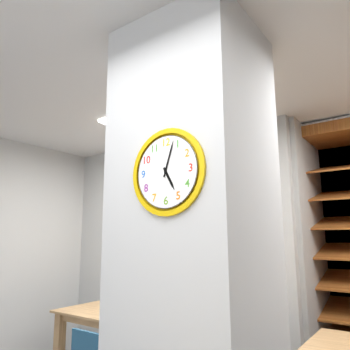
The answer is **5:03**
